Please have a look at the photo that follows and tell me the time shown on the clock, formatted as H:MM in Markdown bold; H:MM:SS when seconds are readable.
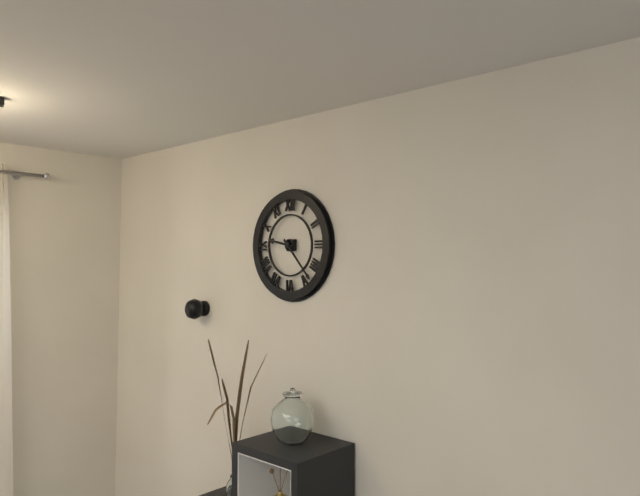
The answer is **9:23**
